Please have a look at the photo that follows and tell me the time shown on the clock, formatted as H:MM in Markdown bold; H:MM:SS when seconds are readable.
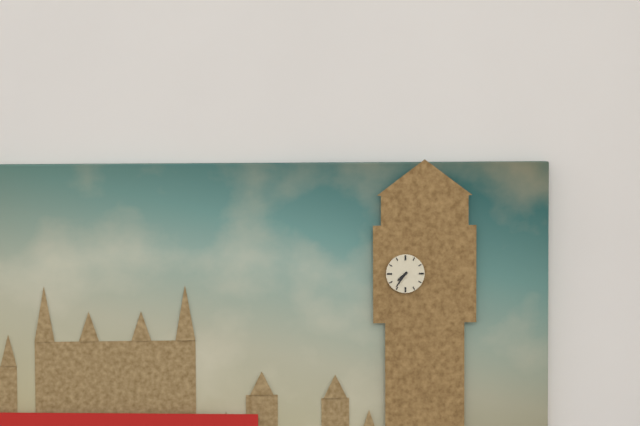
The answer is **7:36**
